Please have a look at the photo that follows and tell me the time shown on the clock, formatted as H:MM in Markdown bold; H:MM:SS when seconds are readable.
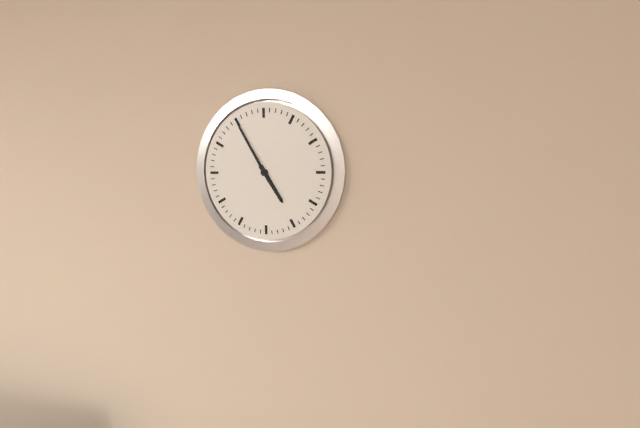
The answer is **4:55**
